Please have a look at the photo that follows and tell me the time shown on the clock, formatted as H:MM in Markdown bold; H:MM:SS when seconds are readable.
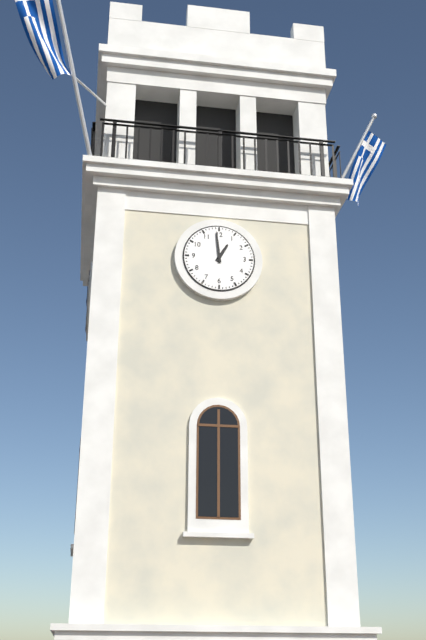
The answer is **12:59**
